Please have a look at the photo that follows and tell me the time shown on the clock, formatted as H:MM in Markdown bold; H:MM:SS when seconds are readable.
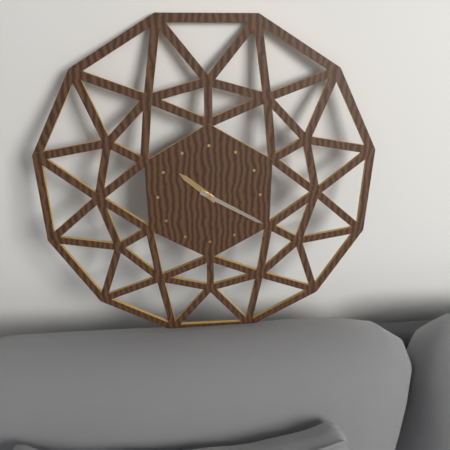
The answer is **10:20**
